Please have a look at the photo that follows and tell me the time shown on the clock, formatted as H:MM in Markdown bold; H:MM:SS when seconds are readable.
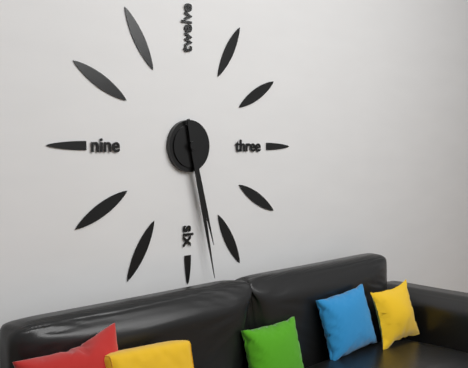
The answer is **5:28**
